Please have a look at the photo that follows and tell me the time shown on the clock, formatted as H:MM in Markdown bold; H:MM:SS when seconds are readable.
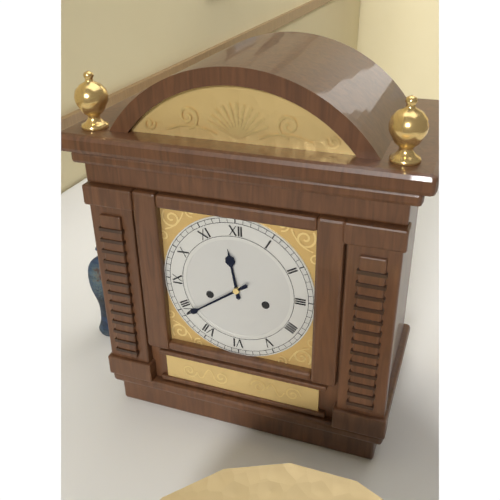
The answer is **11:39**
